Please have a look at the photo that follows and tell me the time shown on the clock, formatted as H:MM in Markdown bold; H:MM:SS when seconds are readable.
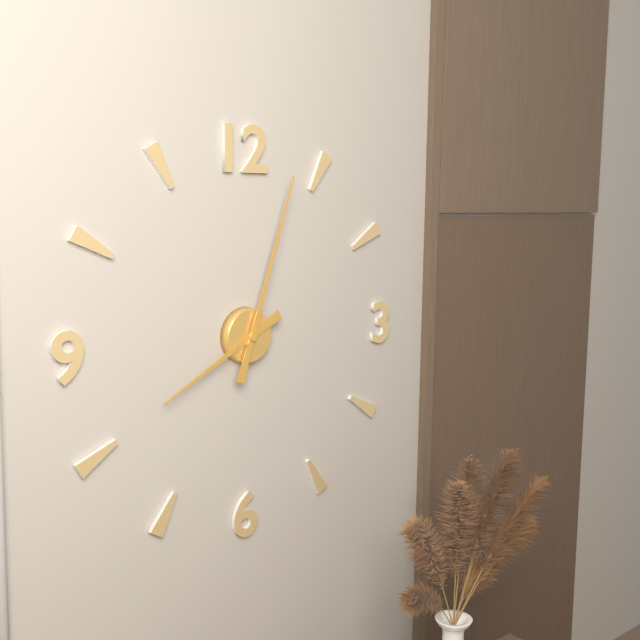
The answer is **8:03**
